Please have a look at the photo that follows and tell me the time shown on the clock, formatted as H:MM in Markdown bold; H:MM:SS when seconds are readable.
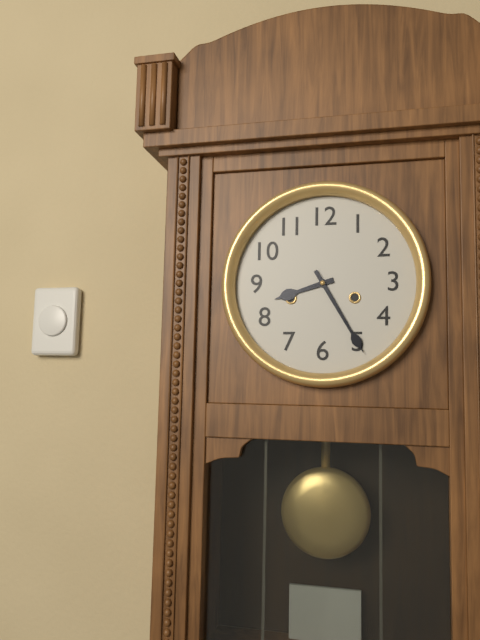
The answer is **8:25**
